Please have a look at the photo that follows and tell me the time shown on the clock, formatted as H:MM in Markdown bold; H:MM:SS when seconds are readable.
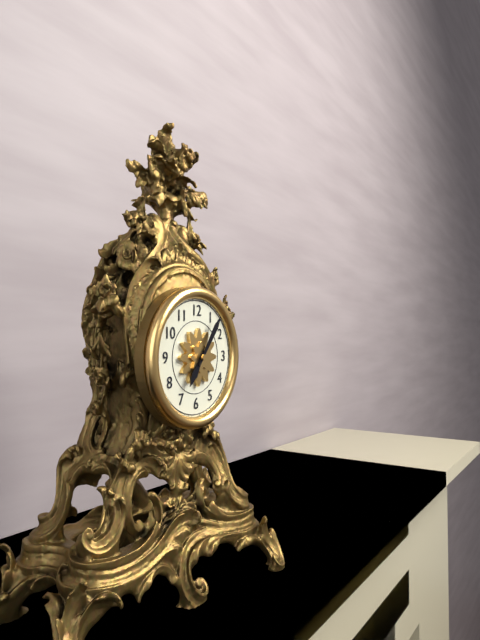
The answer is **7:06**
